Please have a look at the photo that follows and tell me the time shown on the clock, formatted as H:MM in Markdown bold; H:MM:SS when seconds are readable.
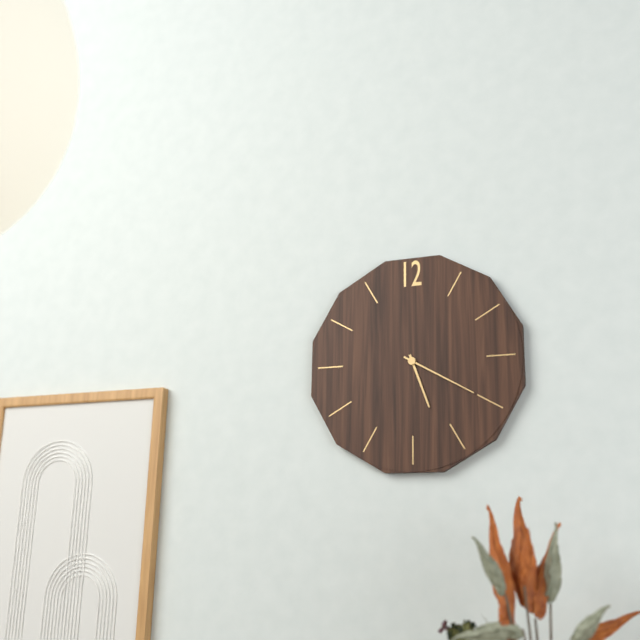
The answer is **5:20**
